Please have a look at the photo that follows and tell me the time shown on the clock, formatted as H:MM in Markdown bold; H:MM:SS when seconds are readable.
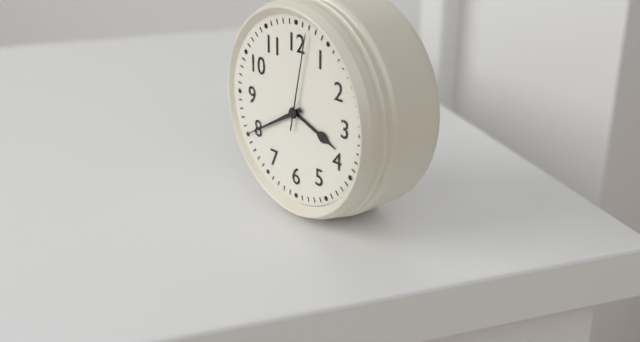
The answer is **3:40:02**
